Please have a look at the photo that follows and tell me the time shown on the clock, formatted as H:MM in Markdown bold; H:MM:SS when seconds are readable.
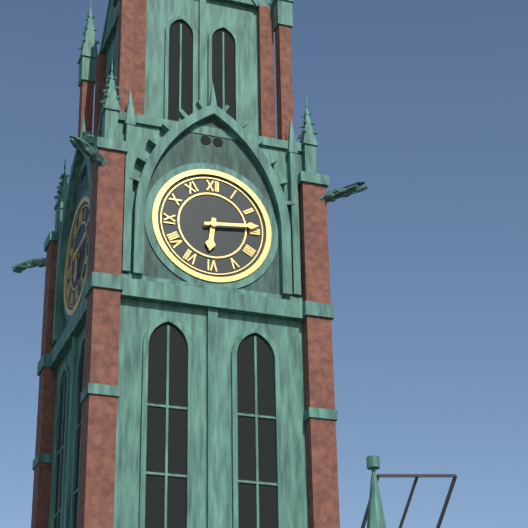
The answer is **6:14**
